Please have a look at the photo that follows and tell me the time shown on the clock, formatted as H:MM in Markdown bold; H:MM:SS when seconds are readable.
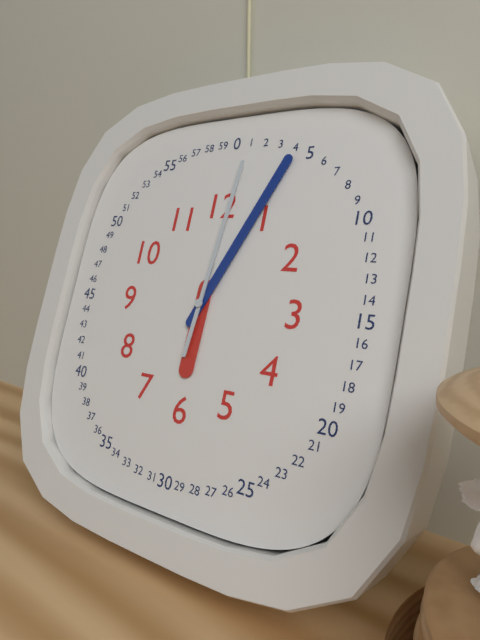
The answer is **6:04:01**
